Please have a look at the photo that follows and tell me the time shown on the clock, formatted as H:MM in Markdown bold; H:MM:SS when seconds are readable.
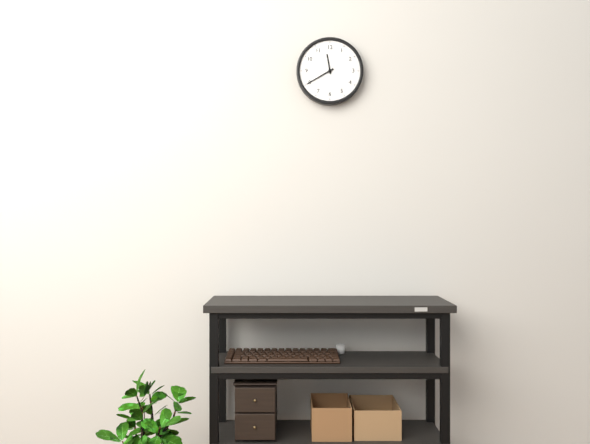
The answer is **11:40**
